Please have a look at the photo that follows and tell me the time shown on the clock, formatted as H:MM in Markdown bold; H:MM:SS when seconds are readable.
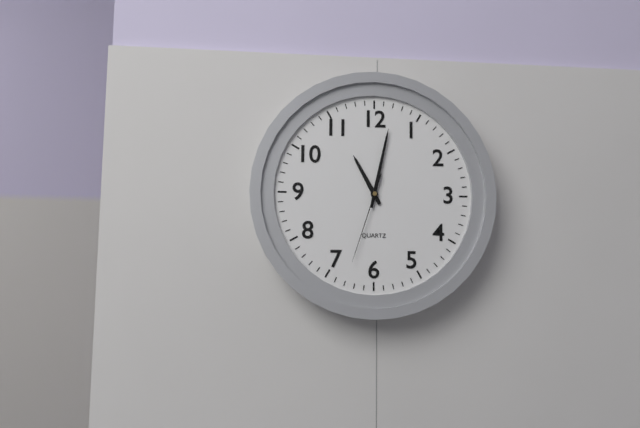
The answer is **11:02:33**
